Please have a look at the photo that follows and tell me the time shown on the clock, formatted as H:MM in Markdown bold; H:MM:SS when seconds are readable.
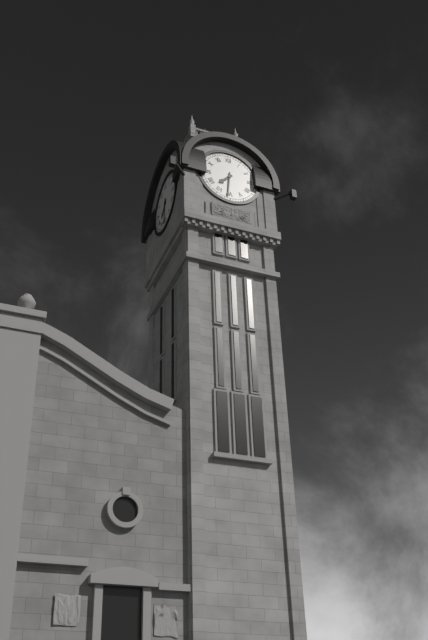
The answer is **7:31**
